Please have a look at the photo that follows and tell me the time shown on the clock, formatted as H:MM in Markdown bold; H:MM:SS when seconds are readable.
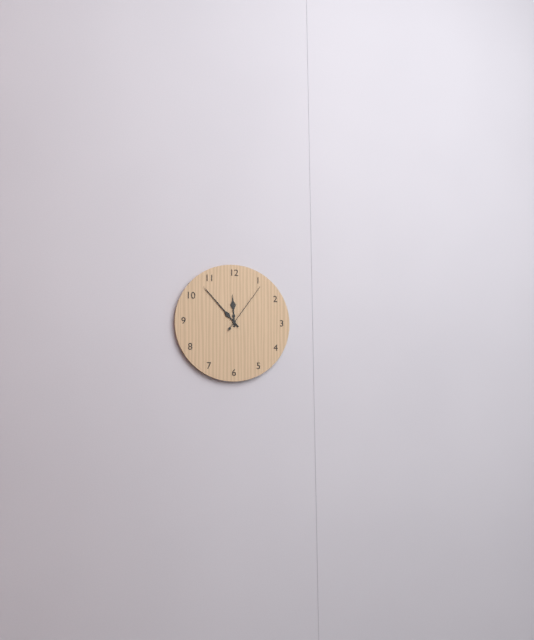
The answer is **11:53:06**
